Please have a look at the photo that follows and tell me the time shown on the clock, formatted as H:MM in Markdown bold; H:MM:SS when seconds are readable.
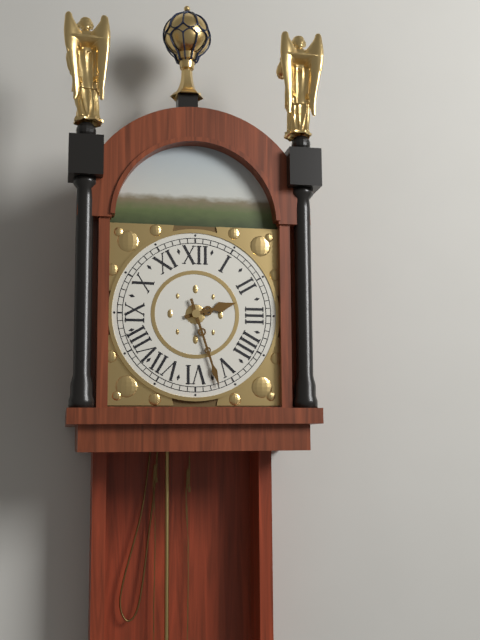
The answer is **2:27**
